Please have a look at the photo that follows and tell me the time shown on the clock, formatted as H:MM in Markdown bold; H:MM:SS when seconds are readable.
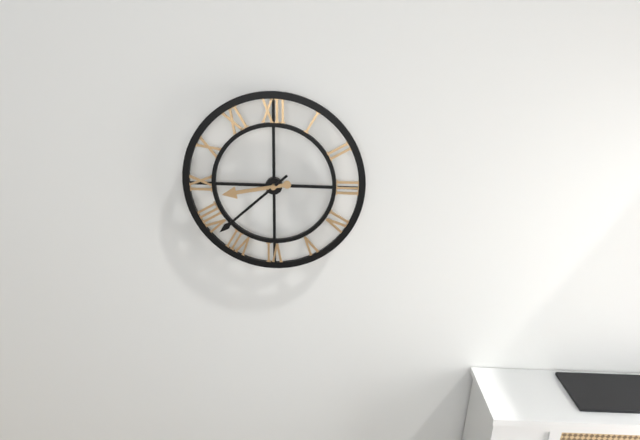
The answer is **8:38**
